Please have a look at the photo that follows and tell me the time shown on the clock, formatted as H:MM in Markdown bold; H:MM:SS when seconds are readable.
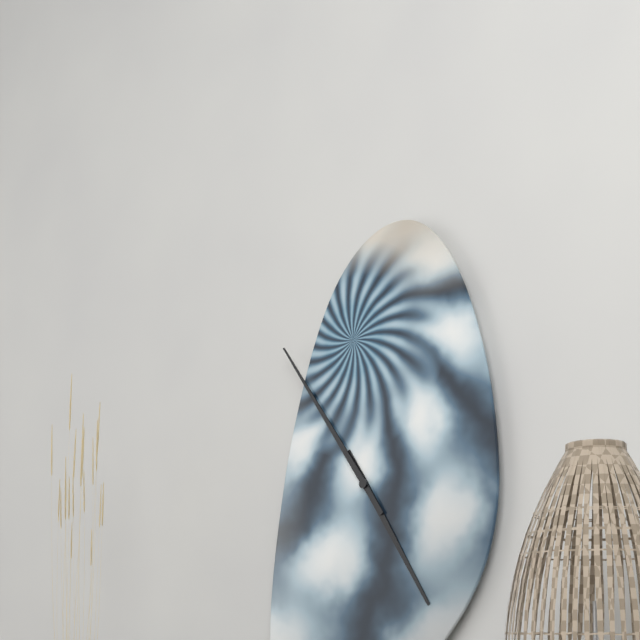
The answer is **4:54**
